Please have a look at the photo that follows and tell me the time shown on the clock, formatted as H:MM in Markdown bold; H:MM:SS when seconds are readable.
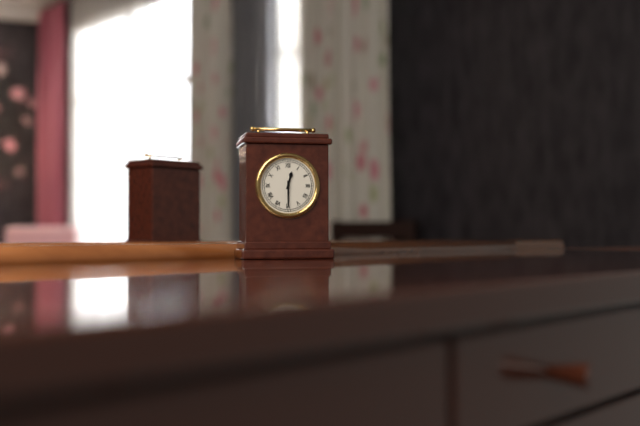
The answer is **12:30**
